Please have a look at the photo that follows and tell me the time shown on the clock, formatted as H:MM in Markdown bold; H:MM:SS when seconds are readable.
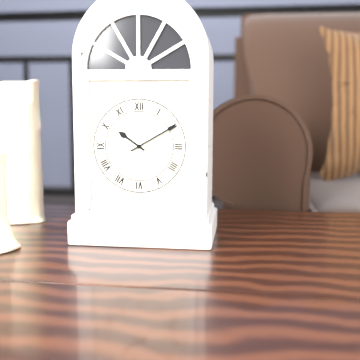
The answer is **10:10**
